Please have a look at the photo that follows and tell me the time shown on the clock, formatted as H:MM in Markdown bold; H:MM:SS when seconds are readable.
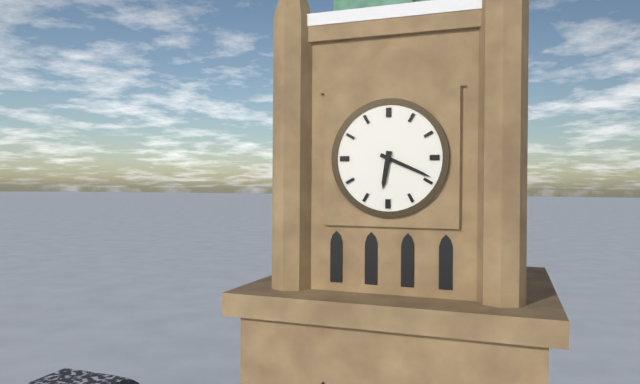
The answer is **6:19**
